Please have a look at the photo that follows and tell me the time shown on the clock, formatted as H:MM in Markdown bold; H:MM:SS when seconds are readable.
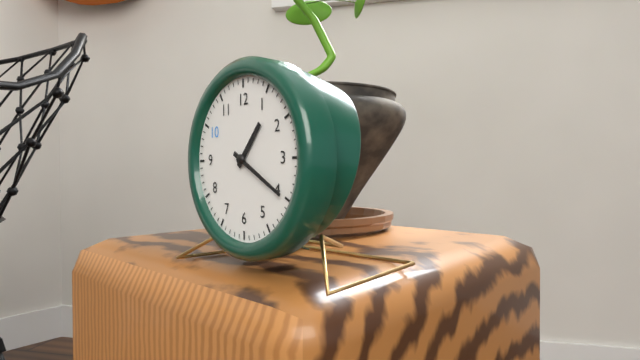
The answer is **1:20**
